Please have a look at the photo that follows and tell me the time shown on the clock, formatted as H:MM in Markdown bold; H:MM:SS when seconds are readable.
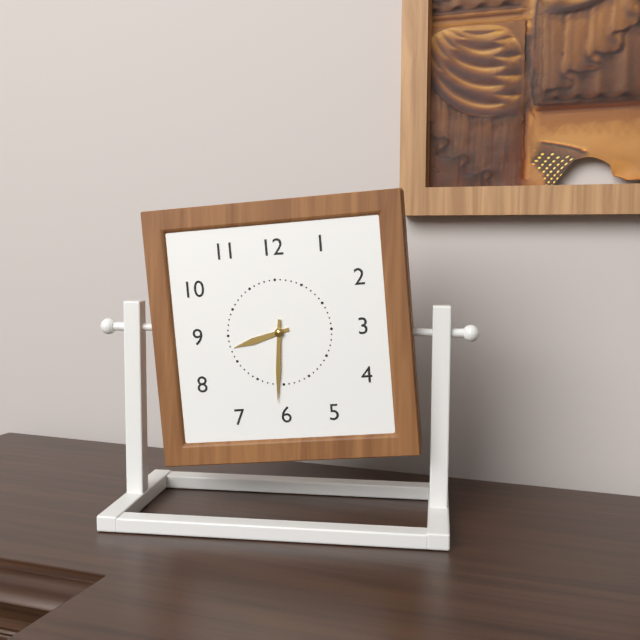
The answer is **8:31**
